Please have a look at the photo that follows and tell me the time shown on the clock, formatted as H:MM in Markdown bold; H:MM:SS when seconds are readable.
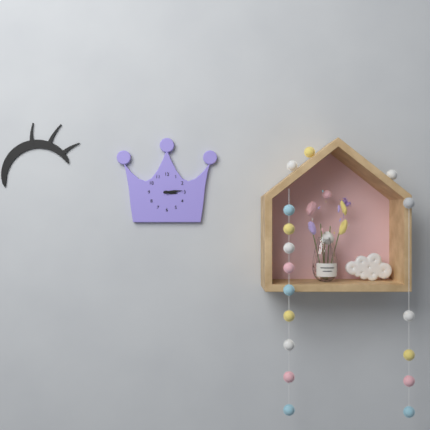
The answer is **3:14**
